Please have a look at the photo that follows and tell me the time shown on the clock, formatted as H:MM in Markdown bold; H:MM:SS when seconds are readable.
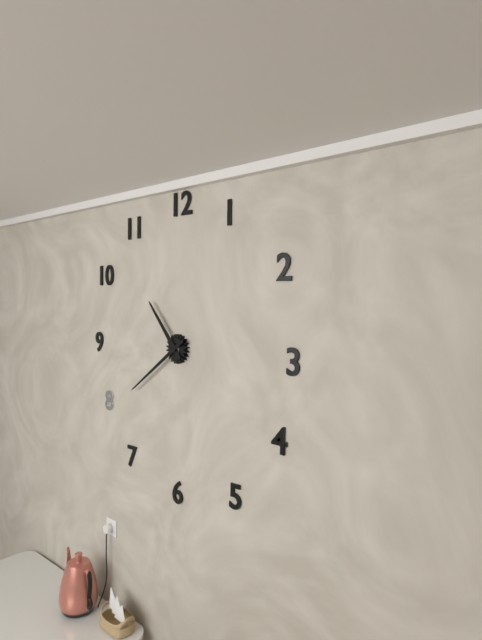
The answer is **10:39**
